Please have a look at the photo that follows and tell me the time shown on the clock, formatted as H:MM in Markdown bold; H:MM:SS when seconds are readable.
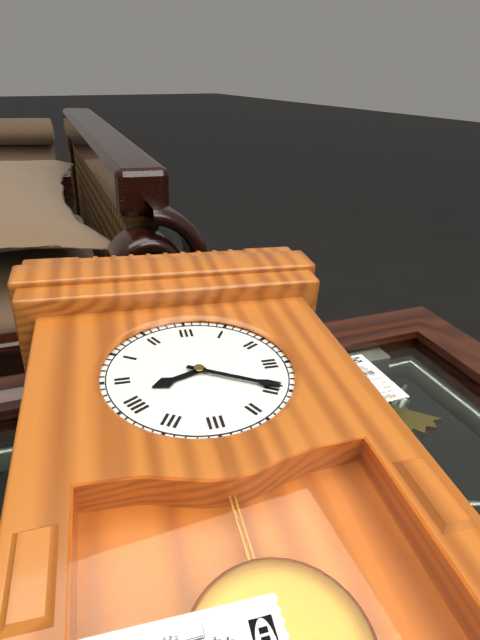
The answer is **8:20**
